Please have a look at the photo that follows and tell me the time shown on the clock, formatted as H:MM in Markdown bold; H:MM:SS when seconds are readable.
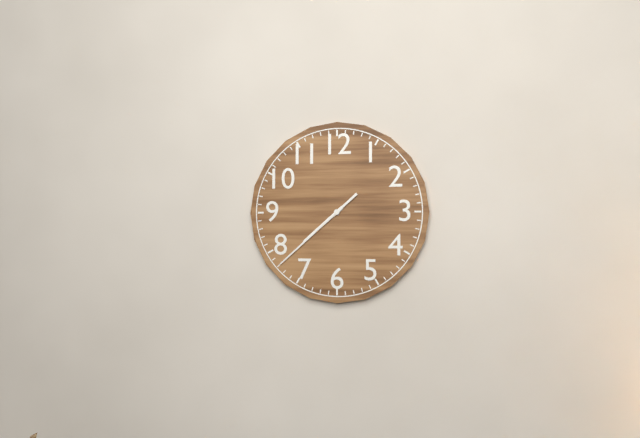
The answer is **7:38**
